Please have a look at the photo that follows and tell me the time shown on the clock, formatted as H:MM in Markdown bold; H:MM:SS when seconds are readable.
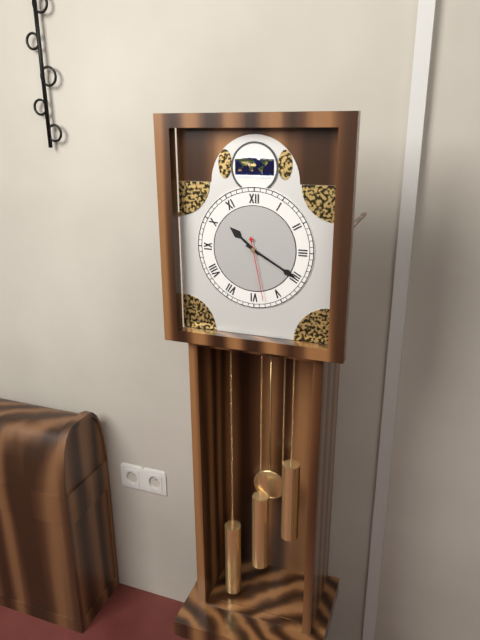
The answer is **10:20:28**
